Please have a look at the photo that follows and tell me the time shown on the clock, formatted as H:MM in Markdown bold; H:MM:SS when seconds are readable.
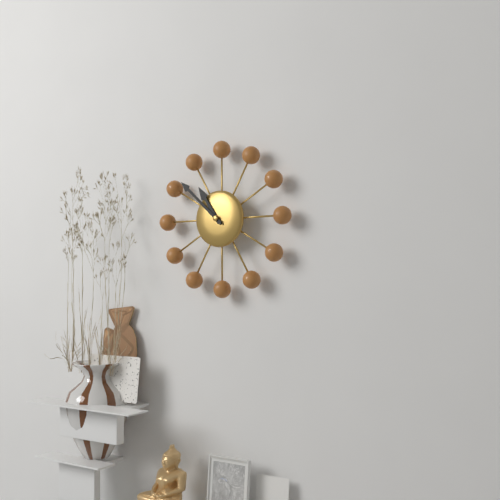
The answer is **10:52**
